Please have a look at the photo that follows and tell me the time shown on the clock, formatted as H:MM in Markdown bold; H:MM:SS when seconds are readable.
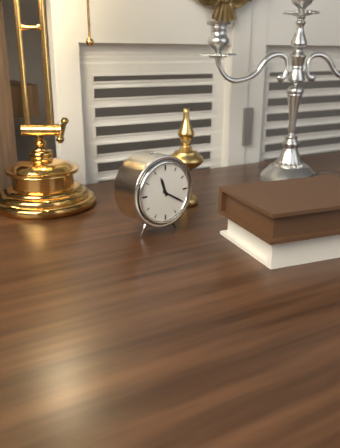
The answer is **11:20**
